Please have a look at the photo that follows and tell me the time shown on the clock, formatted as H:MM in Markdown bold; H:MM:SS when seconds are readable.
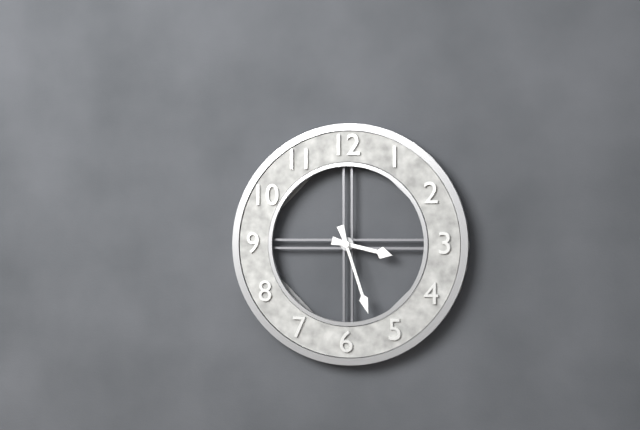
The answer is **3:27**
